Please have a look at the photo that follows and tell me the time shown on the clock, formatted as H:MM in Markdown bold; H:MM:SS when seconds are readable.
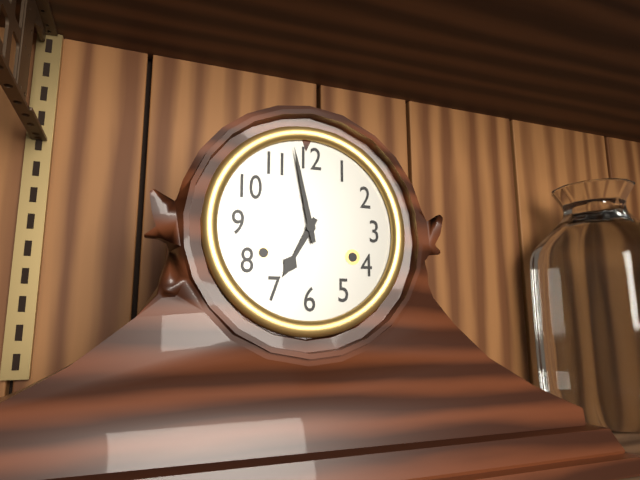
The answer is **6:58**
